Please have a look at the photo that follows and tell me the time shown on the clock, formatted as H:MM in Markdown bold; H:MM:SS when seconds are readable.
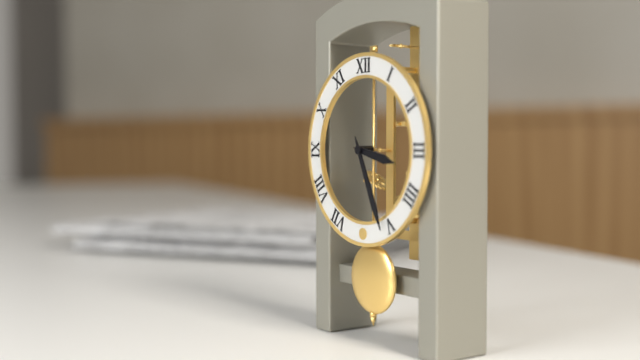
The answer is **3:26**
